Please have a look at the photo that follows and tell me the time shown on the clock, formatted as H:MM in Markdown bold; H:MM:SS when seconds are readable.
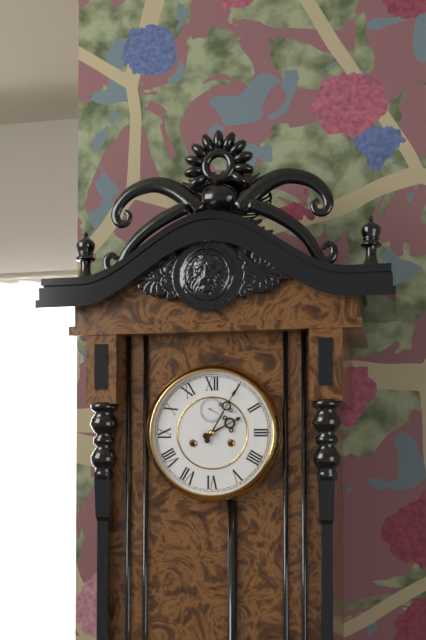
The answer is **2:05**
